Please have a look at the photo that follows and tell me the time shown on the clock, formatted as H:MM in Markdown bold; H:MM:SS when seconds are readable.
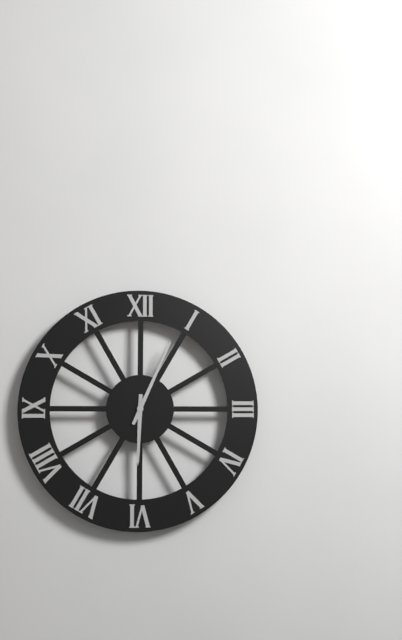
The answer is **6:04**
